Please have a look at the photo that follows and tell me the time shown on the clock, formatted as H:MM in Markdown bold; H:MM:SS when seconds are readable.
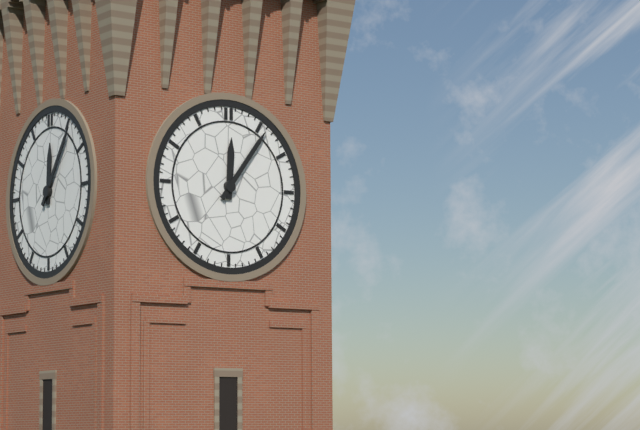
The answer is **12:06**
